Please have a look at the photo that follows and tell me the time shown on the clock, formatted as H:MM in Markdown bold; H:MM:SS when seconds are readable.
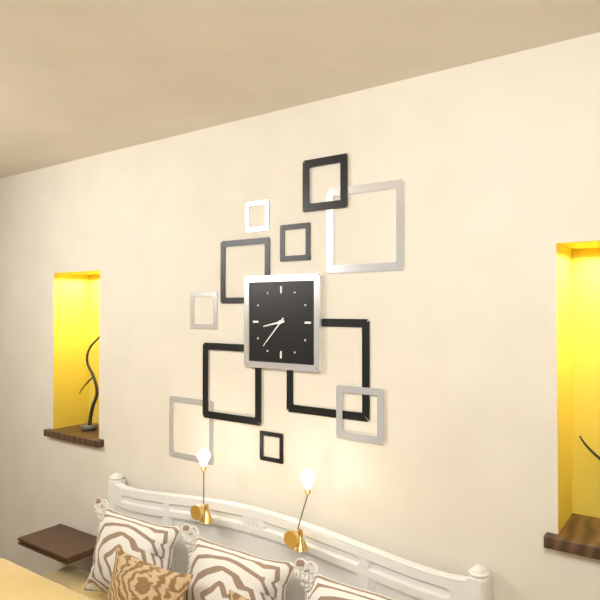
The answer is **8:37**
